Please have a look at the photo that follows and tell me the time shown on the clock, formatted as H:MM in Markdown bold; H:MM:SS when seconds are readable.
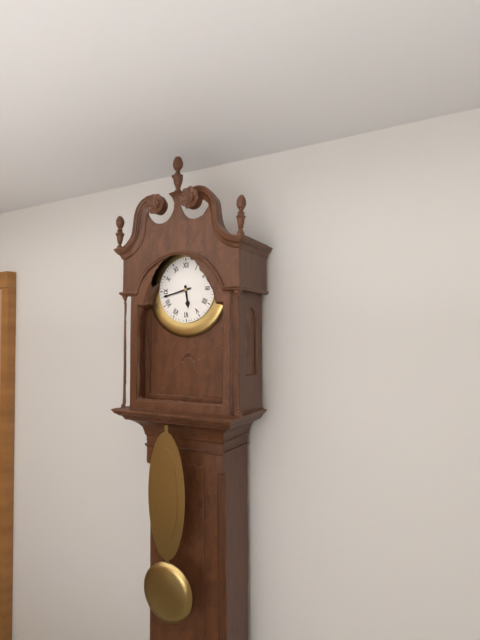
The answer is **5:43**
